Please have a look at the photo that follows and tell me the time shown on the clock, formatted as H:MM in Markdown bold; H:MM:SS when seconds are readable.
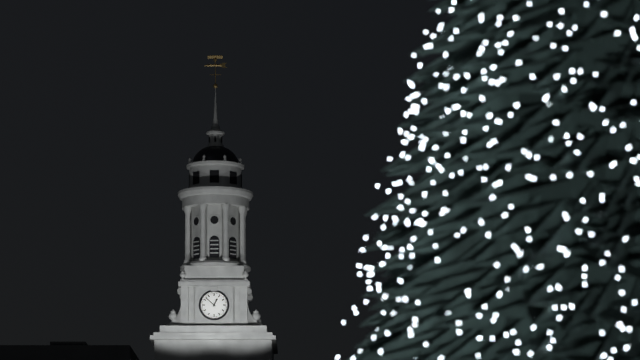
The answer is **12:52**
